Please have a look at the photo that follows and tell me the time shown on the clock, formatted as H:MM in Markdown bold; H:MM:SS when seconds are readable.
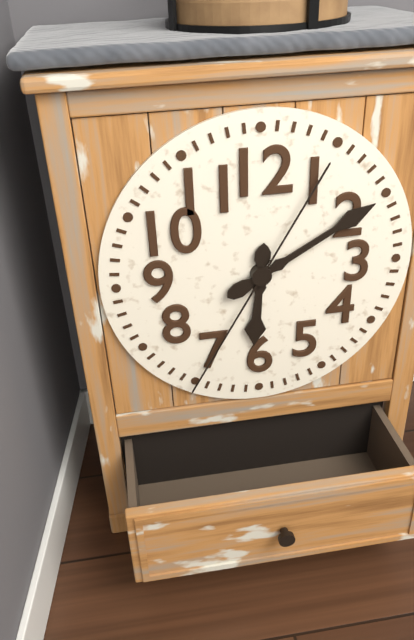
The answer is **6:10:35**
